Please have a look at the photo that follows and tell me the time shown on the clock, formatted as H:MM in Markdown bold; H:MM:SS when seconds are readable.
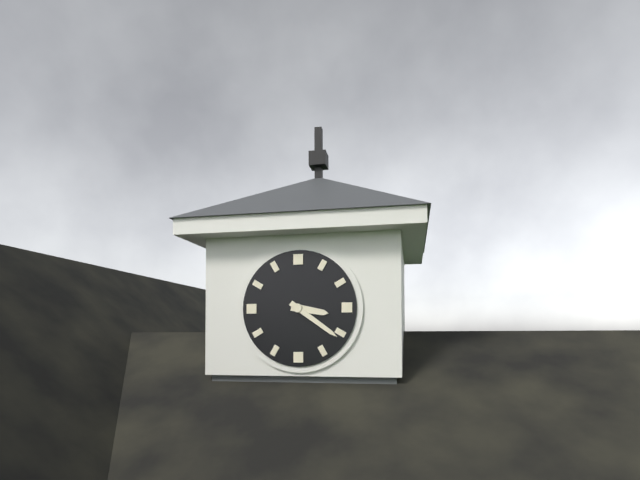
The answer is **3:21**
